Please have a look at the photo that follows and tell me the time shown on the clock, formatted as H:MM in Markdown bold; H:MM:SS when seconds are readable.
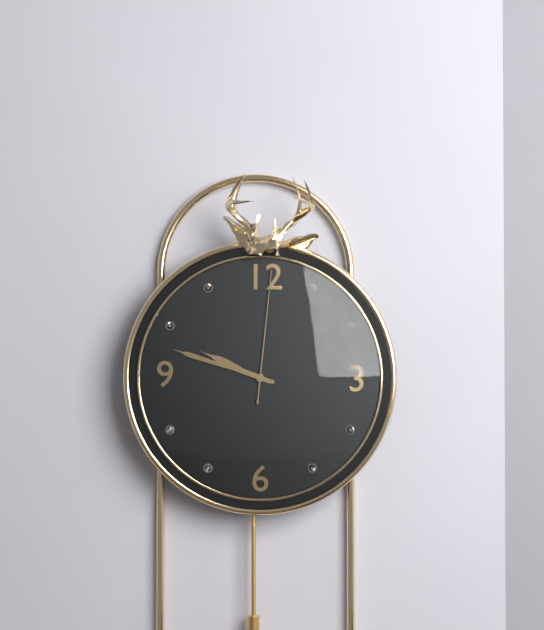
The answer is **9:48:01**
